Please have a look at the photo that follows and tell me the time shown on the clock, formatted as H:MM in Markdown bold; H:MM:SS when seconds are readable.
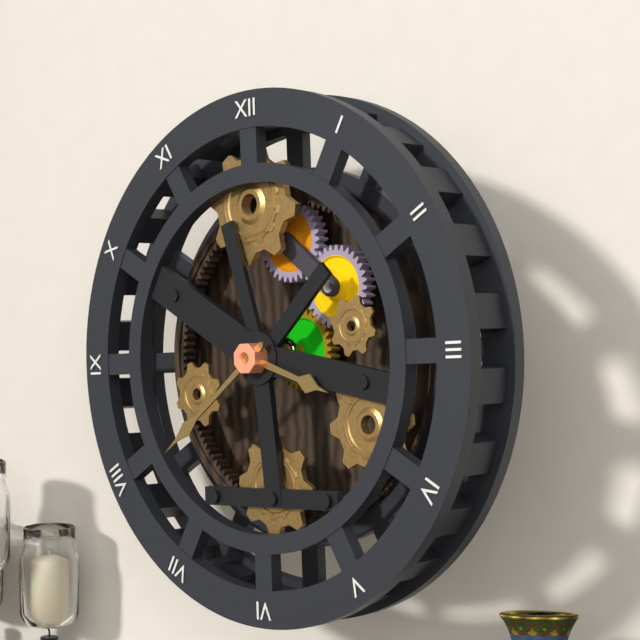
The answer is **3:39**
